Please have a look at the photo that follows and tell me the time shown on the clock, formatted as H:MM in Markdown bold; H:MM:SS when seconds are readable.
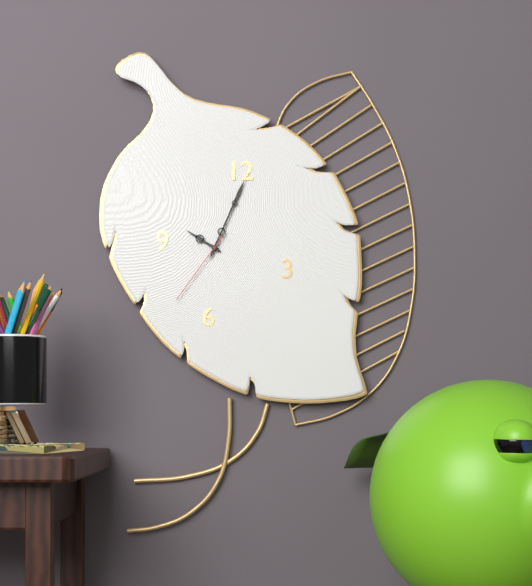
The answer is **10:04:36**
